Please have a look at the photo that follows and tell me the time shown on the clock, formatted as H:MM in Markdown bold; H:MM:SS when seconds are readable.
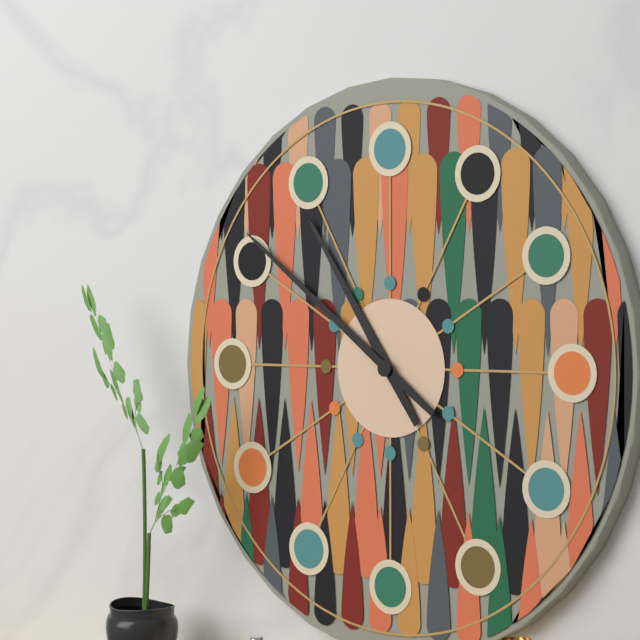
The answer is **10:51**
